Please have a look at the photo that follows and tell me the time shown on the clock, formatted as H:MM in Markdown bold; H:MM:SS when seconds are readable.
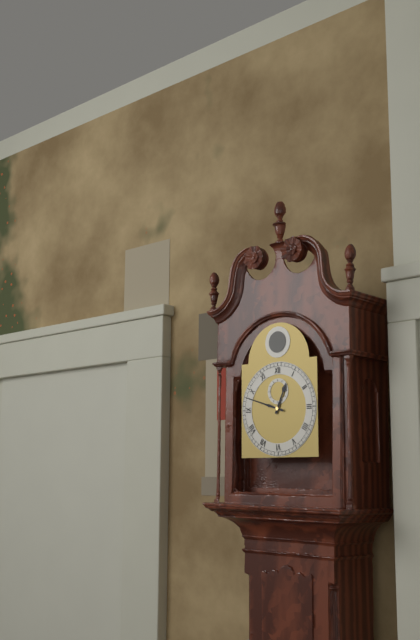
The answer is **12:48**
